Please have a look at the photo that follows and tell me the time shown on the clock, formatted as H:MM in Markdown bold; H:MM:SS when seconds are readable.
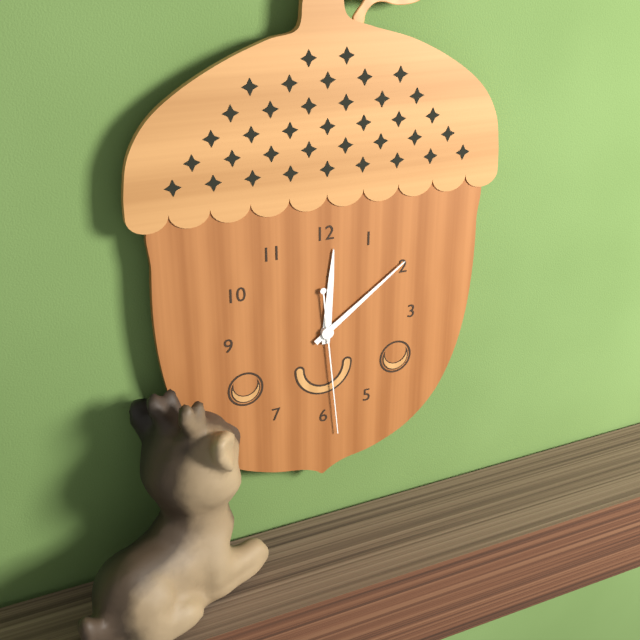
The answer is **12:09:29**
